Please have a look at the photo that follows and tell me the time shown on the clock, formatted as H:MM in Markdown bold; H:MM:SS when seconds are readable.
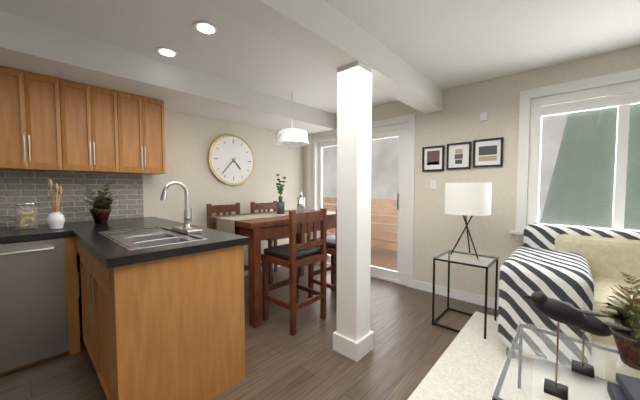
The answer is **4:37**
